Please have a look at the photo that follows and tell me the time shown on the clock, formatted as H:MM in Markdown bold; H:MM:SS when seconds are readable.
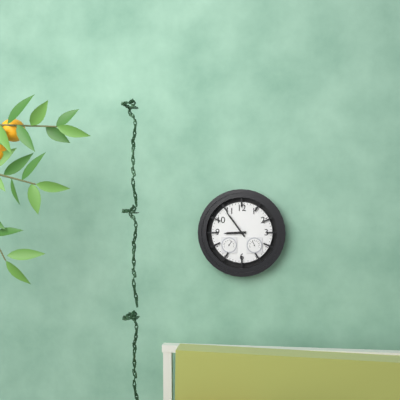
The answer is **8:54**
